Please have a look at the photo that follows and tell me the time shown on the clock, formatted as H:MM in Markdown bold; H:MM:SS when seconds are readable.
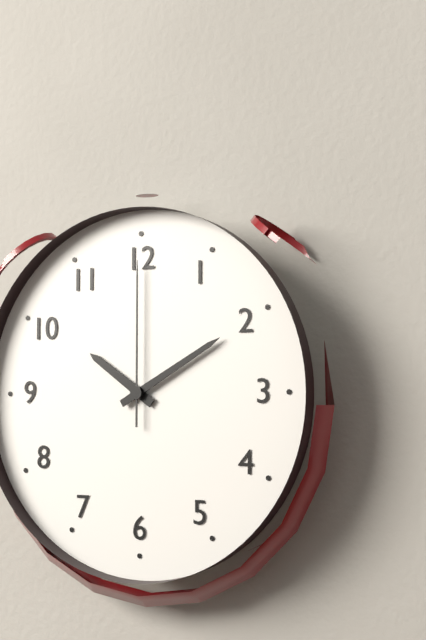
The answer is **10:10:00**
